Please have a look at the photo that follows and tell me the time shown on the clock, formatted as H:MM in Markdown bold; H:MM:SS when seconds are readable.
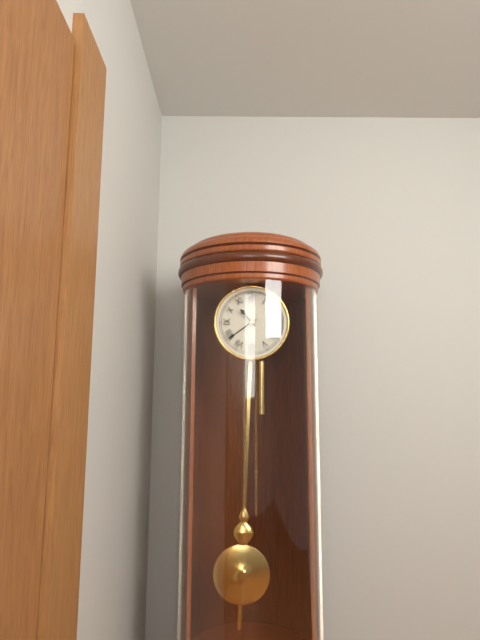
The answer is **10:39**
